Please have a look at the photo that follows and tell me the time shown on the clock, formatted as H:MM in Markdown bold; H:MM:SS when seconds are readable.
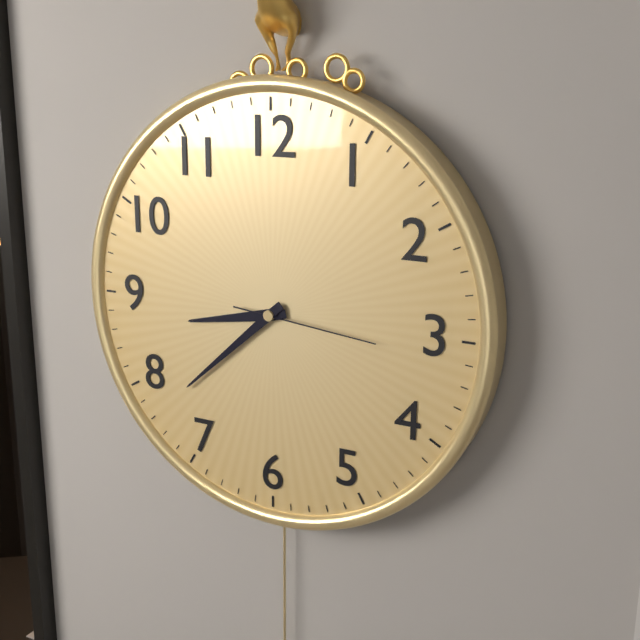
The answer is **8:38:16**
